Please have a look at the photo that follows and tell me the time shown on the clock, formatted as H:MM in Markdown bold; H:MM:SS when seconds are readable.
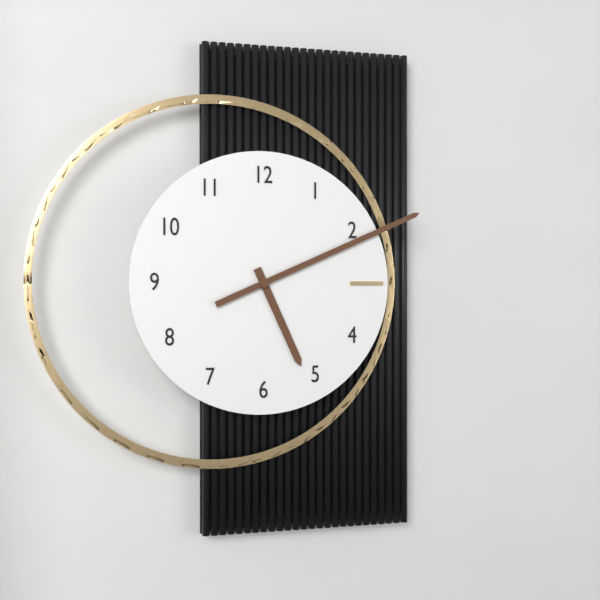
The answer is **5:11**
